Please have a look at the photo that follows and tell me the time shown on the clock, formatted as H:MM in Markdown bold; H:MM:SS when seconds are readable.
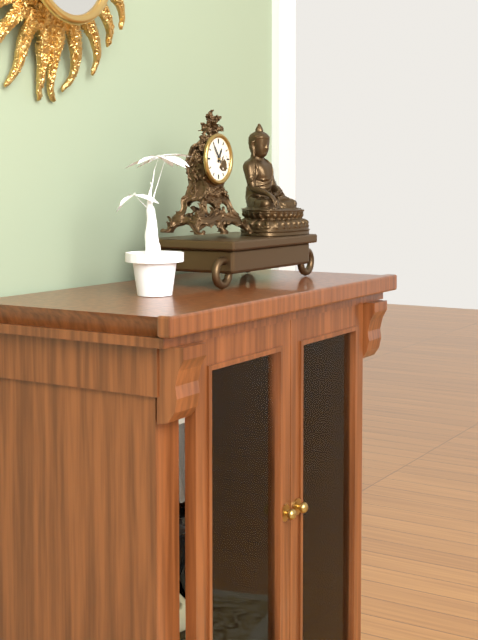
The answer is **12:54**
